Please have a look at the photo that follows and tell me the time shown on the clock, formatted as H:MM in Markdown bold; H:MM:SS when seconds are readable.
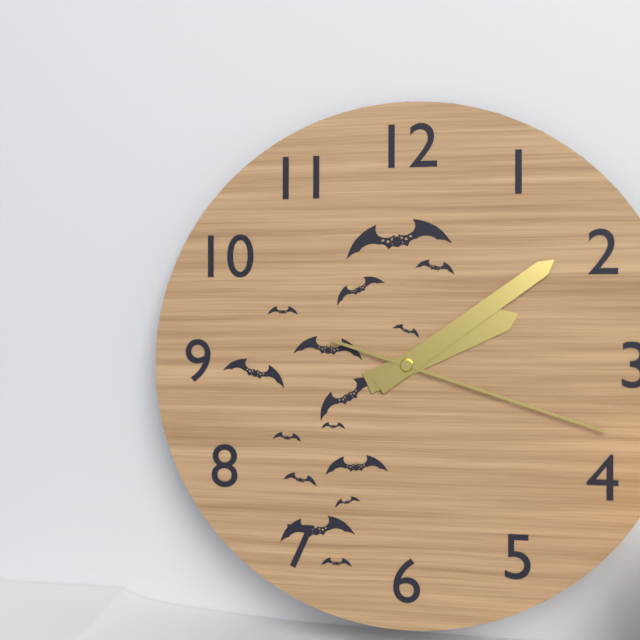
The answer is **2:09:18**
